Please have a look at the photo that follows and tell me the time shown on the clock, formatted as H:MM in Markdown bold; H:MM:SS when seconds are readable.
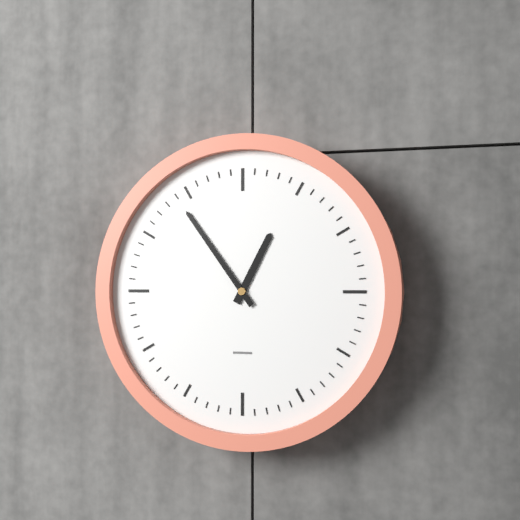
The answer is **12:54**
